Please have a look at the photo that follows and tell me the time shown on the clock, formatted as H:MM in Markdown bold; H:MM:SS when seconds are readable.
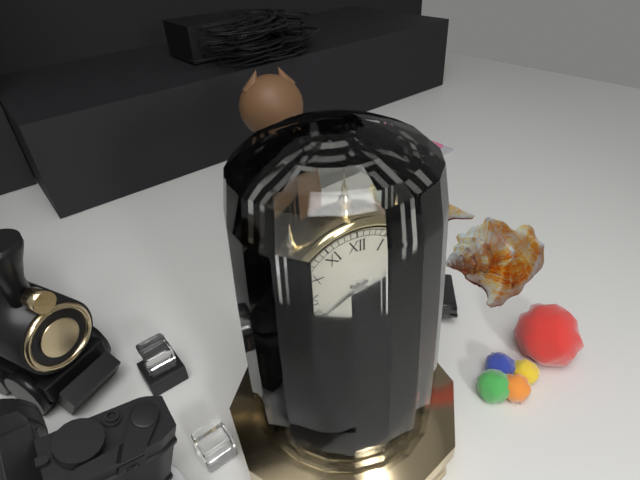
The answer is **3:40**
